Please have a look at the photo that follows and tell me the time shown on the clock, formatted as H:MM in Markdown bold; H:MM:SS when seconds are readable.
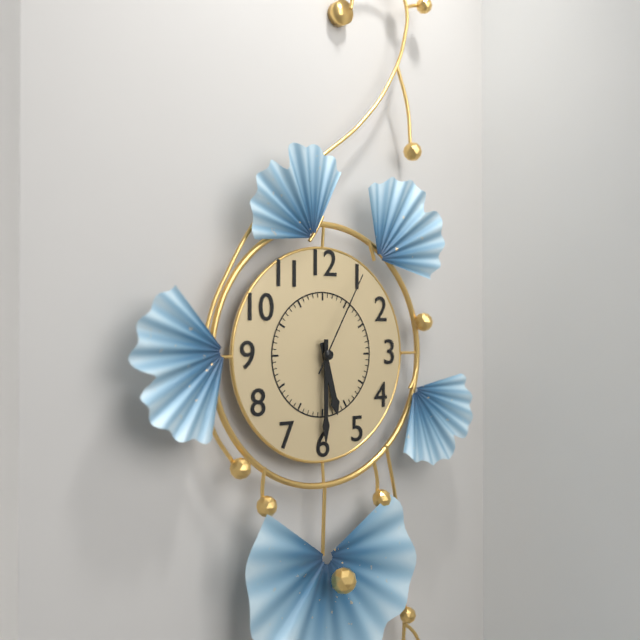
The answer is **5:30:05**
